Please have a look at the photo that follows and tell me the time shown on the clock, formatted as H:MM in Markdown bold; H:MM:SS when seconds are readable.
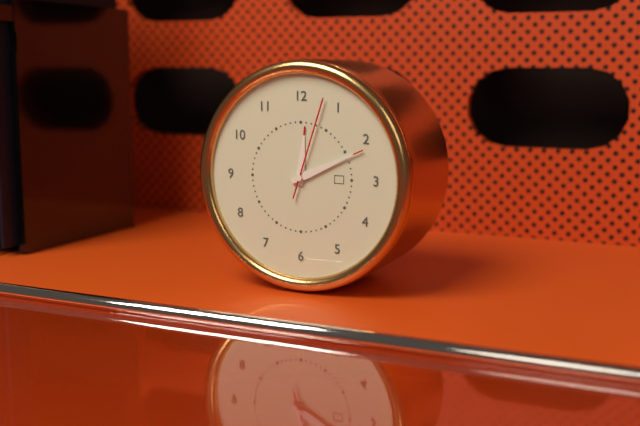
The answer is **12:11:03**
